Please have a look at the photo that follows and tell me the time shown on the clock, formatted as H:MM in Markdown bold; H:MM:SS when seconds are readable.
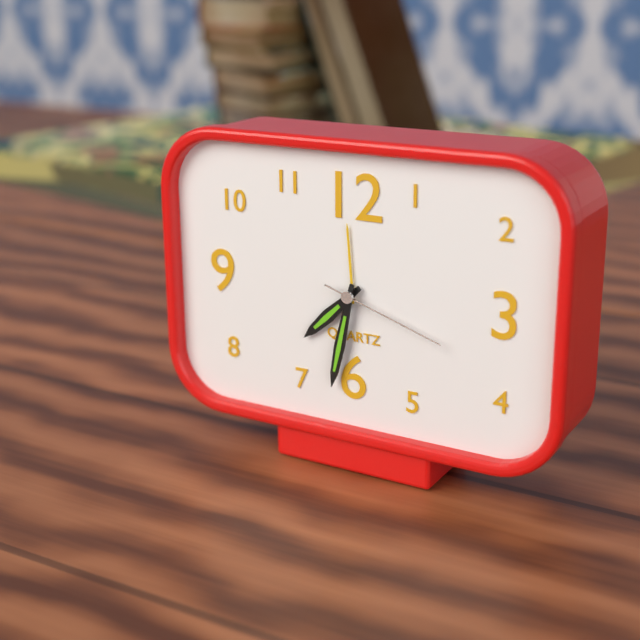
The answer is **7:32:18**
